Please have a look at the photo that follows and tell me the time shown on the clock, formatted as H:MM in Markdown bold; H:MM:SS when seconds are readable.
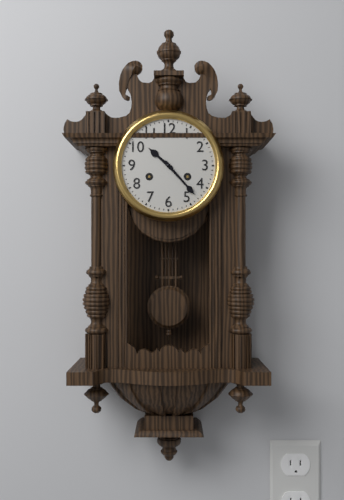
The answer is **10:23**
